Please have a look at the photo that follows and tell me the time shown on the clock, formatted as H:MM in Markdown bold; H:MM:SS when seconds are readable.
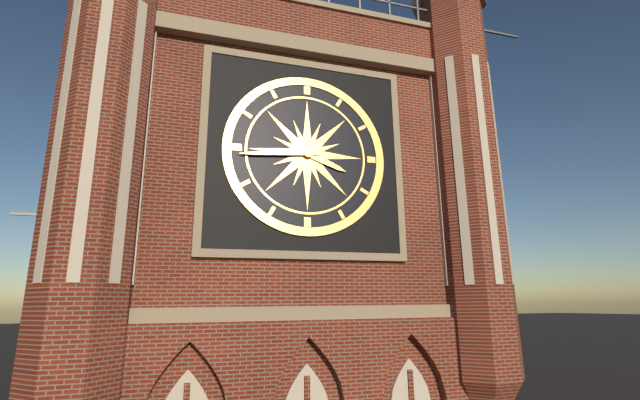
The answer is **3:44**
